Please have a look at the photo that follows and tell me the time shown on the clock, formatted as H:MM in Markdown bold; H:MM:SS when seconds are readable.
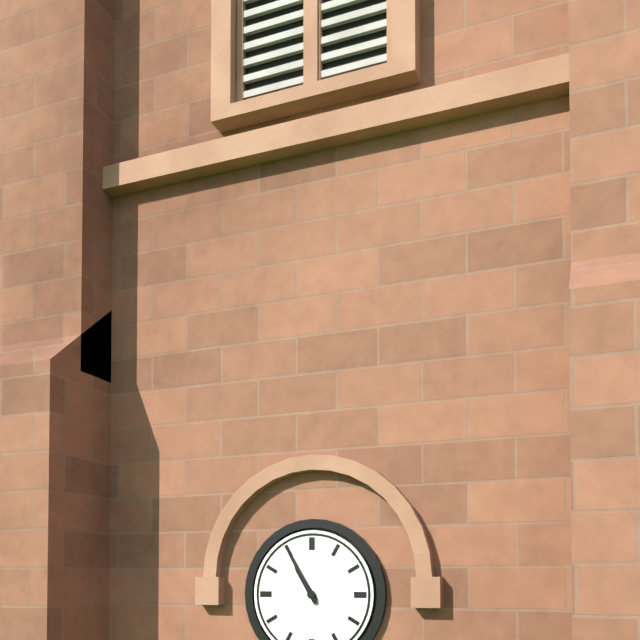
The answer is **10:55**
